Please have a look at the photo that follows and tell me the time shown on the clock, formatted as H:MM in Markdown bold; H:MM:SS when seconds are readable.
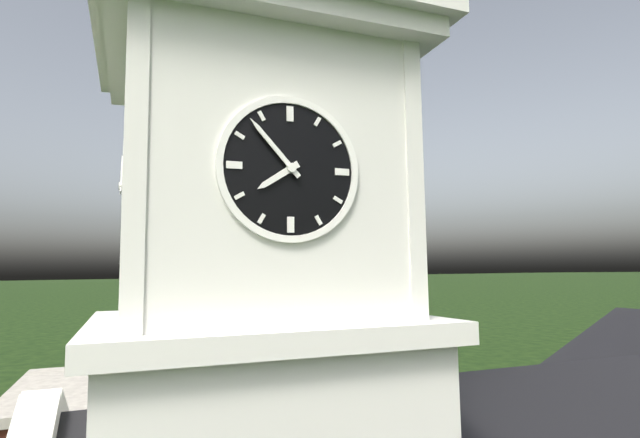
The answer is **7:53**
